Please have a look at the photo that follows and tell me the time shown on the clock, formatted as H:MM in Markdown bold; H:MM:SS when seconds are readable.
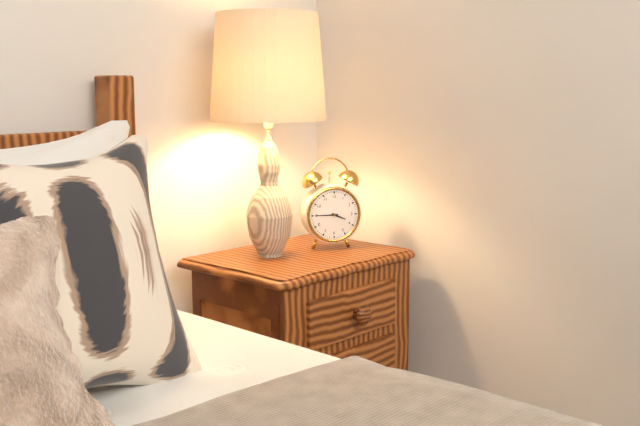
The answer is **3:45**
